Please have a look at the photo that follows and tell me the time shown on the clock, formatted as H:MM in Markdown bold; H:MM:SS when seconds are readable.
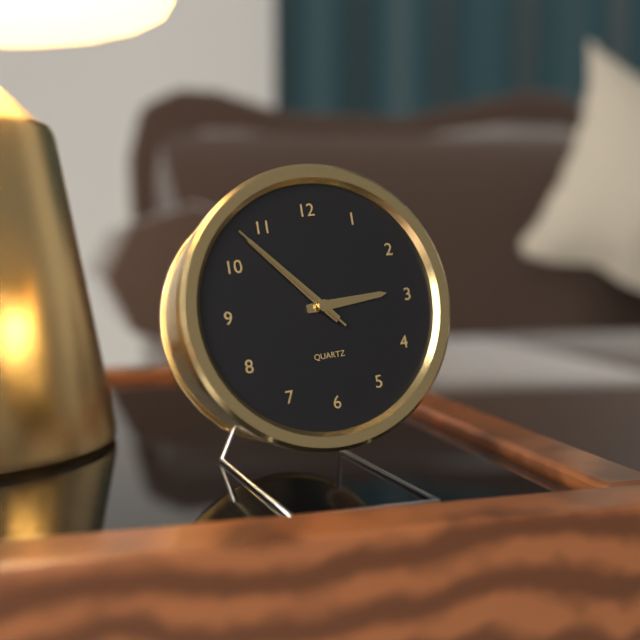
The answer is **2:53:53**
